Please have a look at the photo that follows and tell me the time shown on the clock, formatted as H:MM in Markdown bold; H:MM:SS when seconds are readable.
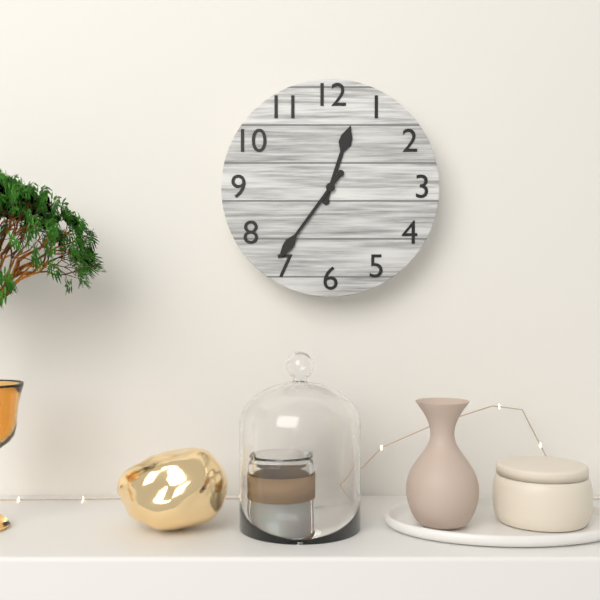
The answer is **12:36**
